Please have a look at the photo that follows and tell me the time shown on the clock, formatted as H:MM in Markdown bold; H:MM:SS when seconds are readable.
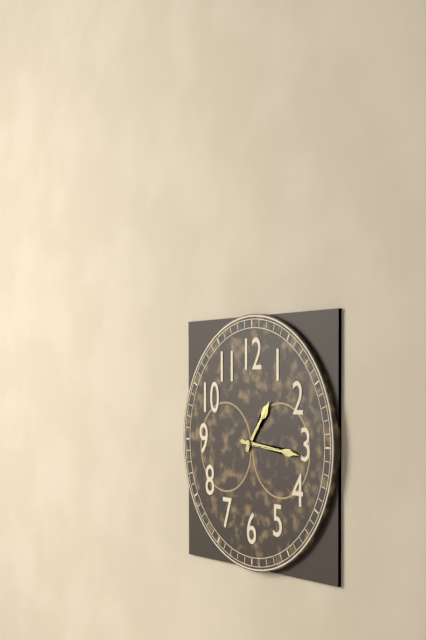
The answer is **1:16**
